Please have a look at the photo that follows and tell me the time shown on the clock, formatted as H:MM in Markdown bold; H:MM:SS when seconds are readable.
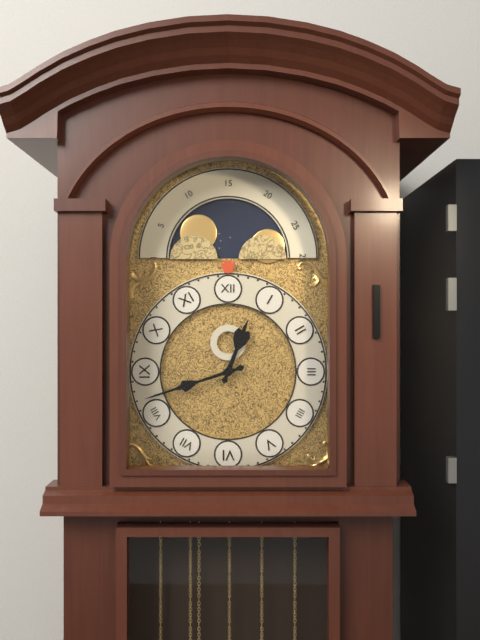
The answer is **12:42**
